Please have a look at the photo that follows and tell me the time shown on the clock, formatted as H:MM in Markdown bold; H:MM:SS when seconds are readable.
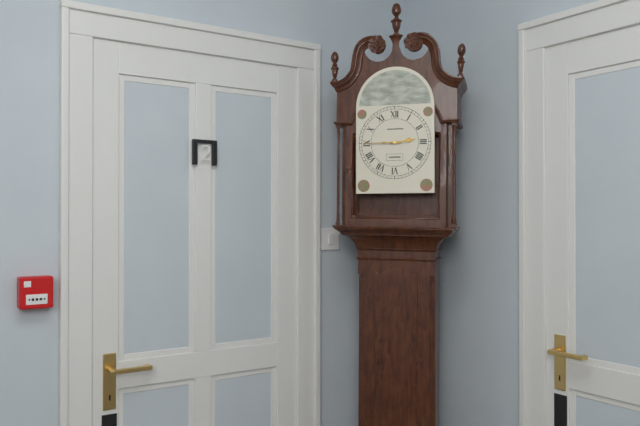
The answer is **2:45**
